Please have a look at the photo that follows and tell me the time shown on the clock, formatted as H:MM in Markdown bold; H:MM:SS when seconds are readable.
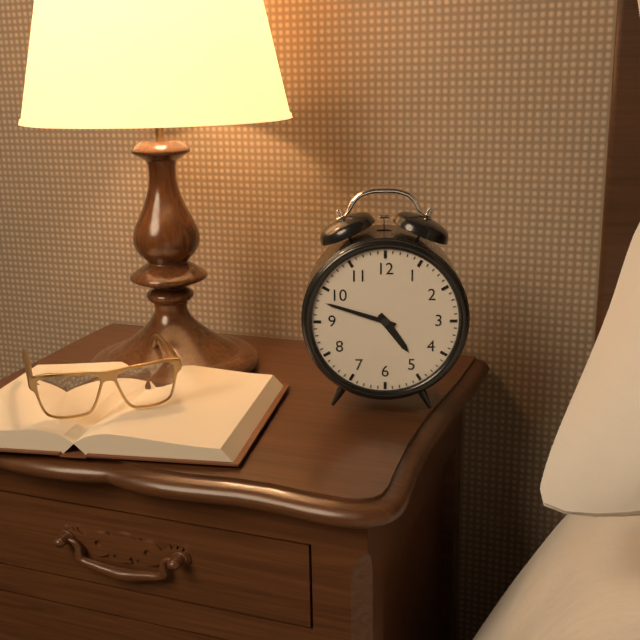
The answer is **4:48**
